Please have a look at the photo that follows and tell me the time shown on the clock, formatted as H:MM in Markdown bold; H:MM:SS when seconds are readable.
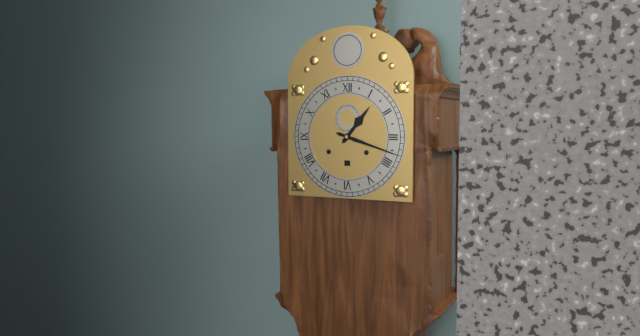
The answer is **1:18**
